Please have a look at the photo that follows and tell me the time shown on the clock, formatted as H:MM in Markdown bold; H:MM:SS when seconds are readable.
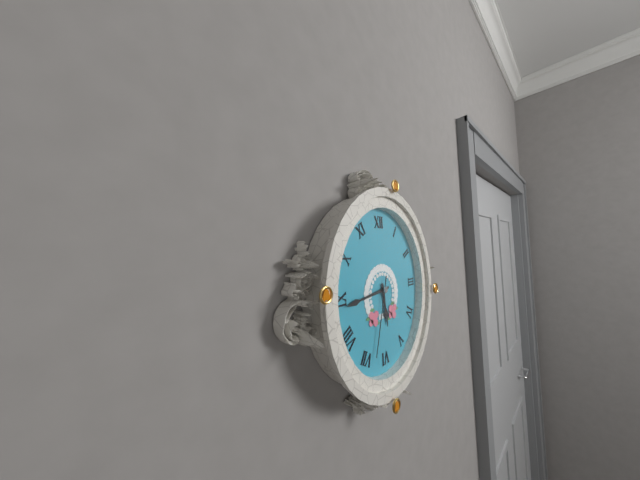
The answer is **5:44:33**
